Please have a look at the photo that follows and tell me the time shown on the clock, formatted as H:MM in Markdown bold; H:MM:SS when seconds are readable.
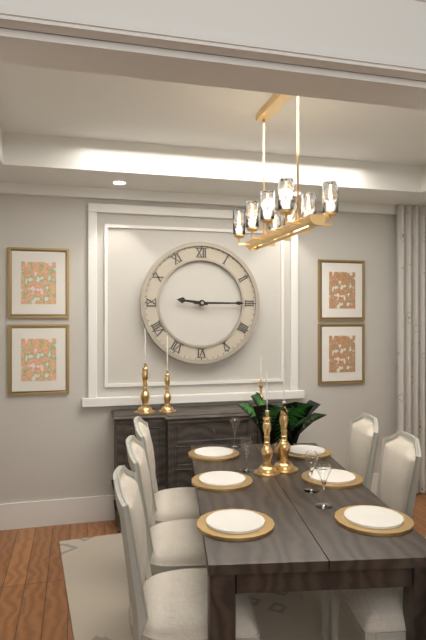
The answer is **9:15**
